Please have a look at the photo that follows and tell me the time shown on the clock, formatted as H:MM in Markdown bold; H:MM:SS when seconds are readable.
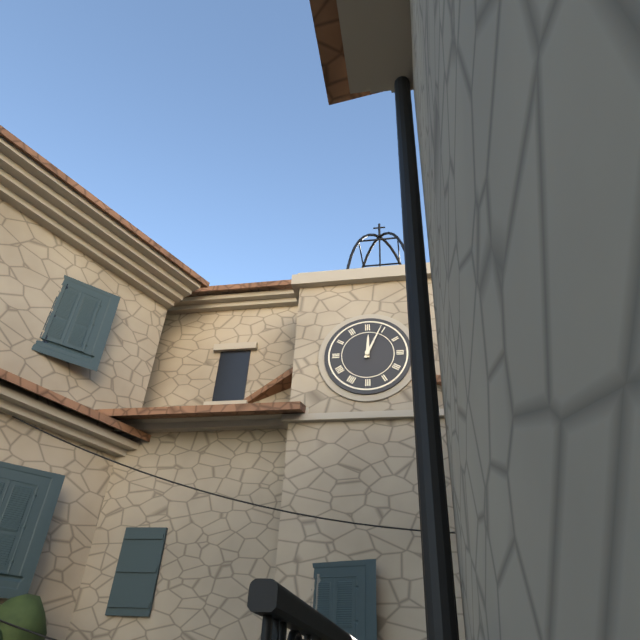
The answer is **12:04**
